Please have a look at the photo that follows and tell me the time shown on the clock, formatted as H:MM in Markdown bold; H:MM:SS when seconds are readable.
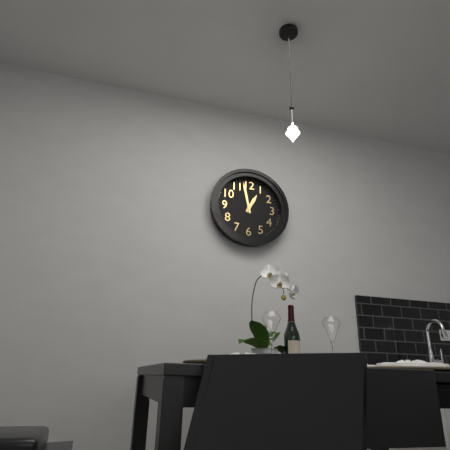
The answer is **12:58**
